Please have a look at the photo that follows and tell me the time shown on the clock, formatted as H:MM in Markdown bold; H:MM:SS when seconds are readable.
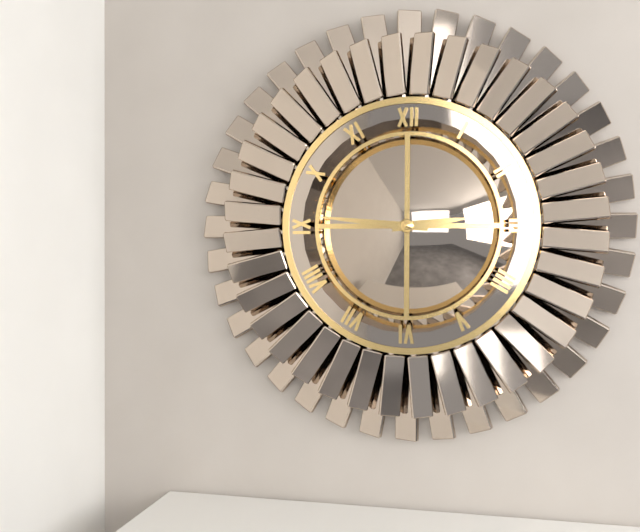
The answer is **2:46**
